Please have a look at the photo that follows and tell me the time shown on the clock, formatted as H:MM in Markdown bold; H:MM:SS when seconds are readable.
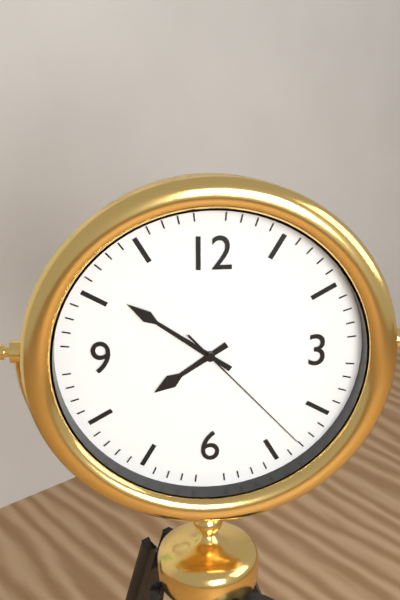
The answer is **7:51:23**
